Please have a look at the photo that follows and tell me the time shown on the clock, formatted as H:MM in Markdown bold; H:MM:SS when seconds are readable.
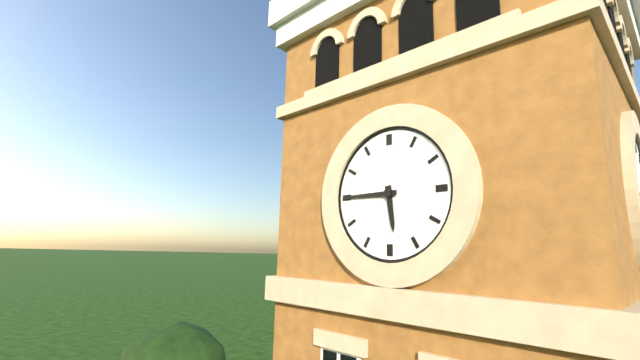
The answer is **5:45**
